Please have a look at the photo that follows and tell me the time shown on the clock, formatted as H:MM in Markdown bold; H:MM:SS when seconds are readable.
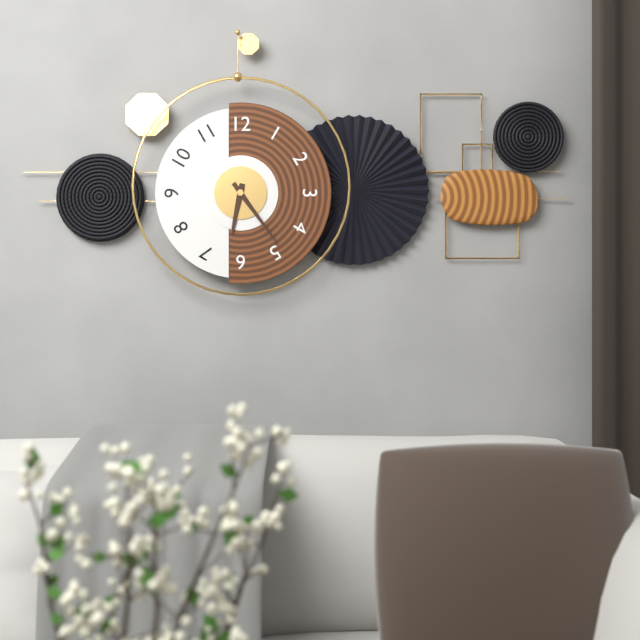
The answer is **6:24**
